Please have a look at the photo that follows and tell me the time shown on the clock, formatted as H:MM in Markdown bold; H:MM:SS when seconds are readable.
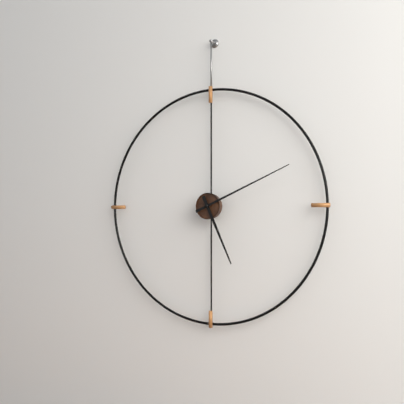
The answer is **5:11**
